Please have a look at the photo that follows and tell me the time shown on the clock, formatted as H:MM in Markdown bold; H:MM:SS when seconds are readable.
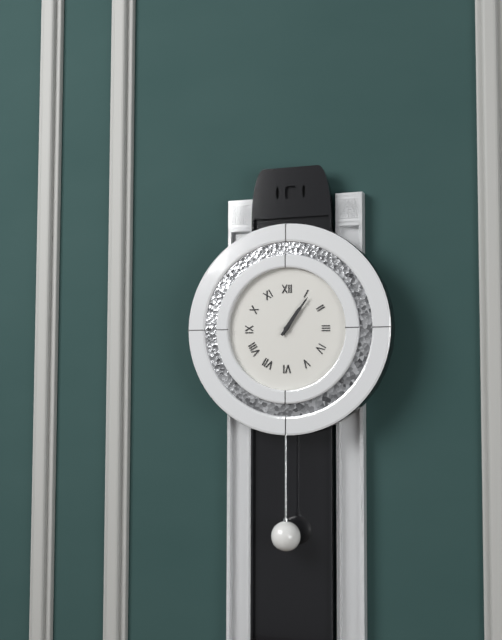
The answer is **1:06**
